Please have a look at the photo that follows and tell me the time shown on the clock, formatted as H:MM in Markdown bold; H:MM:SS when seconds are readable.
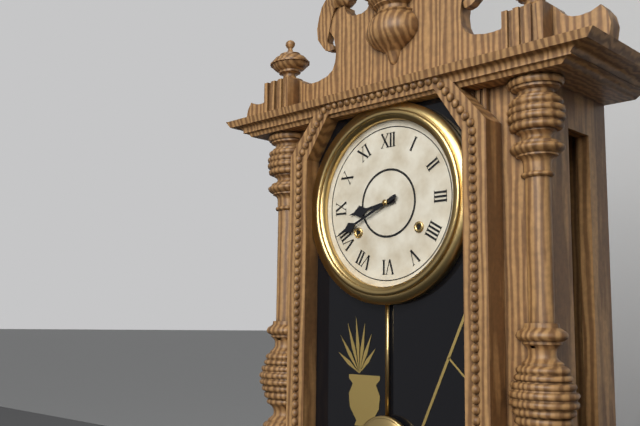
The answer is **8:41**
